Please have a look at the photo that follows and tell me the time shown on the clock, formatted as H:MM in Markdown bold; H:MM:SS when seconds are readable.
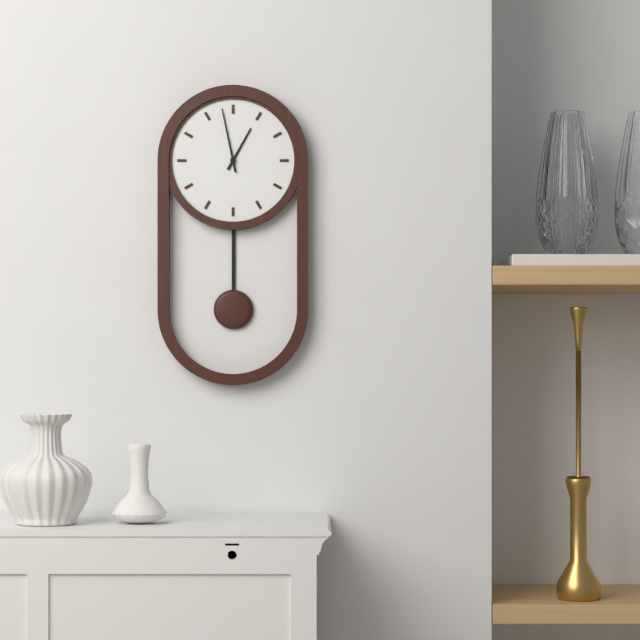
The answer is **12:58**
